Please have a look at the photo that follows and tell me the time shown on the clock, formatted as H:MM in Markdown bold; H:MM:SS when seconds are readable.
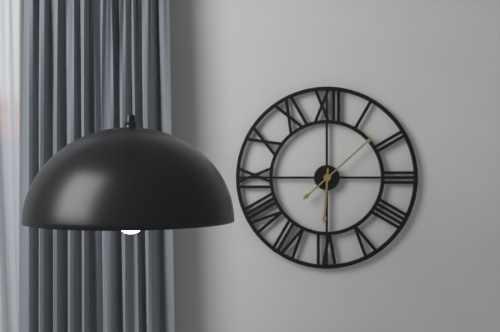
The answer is **6:08**
